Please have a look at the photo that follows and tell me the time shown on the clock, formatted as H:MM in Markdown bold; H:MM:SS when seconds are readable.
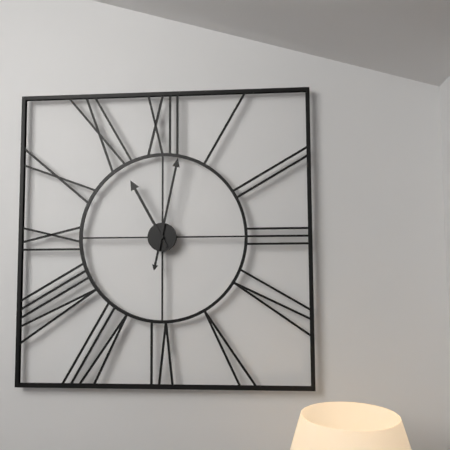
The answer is **11:02**
